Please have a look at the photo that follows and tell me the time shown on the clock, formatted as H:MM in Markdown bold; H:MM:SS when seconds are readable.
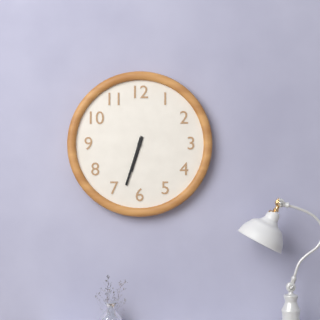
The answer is **6:33**
